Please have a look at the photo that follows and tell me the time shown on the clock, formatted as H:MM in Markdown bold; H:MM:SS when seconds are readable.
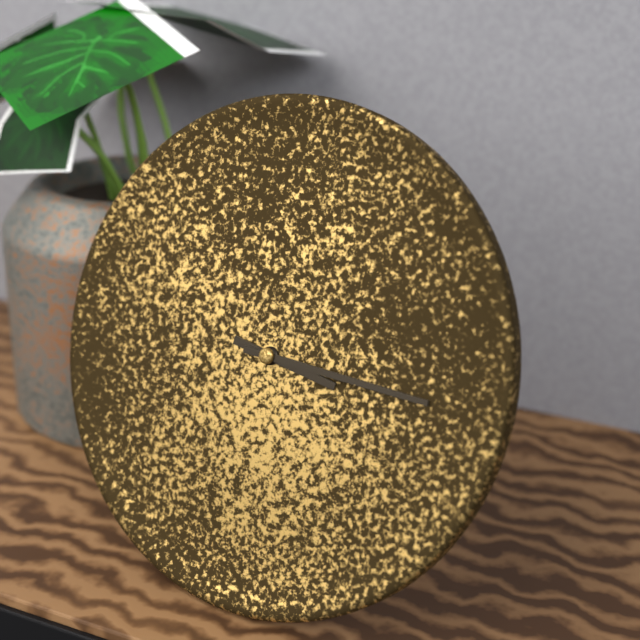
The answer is **3:15**
